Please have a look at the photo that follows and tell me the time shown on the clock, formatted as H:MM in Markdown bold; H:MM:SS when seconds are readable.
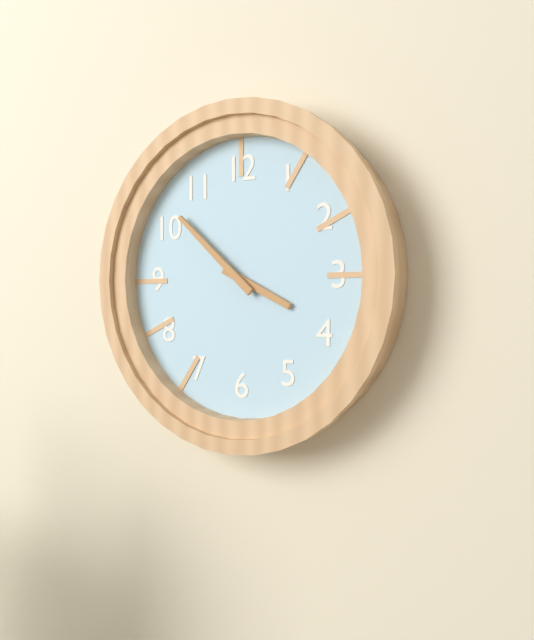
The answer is **3:52**
